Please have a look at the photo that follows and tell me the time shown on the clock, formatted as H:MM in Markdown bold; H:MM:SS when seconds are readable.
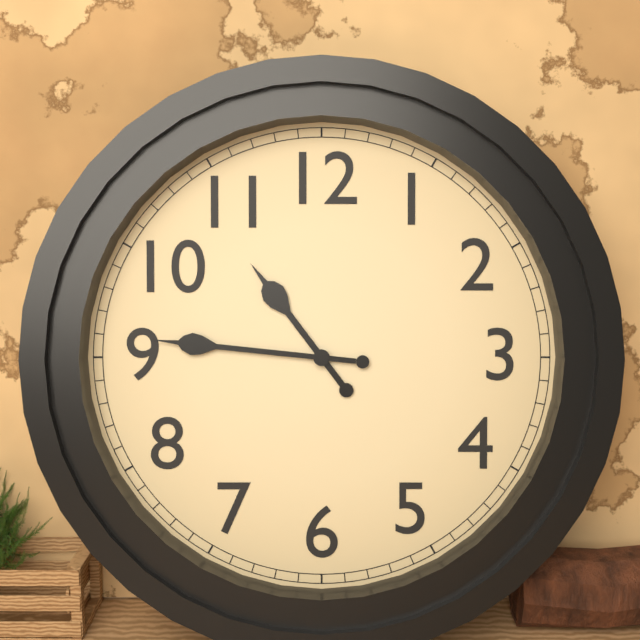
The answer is **10:46**
